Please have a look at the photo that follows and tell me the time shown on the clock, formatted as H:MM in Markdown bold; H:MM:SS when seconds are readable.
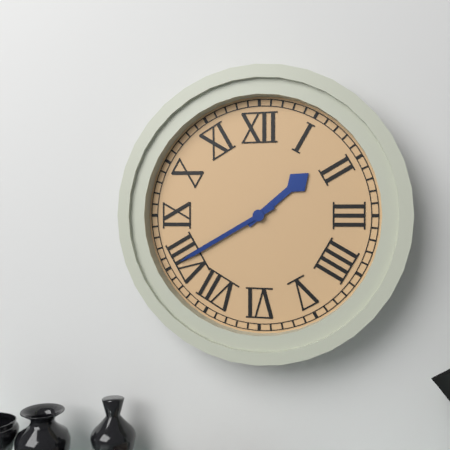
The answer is **1:40**
